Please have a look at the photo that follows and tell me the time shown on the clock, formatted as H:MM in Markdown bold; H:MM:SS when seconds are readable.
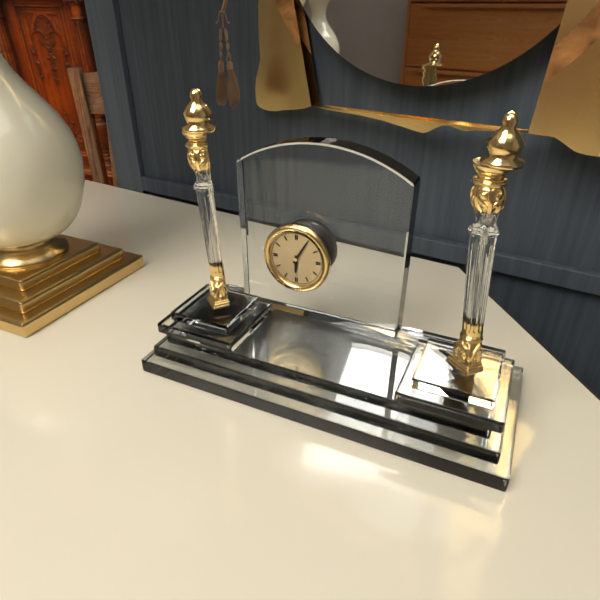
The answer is **6:05**
